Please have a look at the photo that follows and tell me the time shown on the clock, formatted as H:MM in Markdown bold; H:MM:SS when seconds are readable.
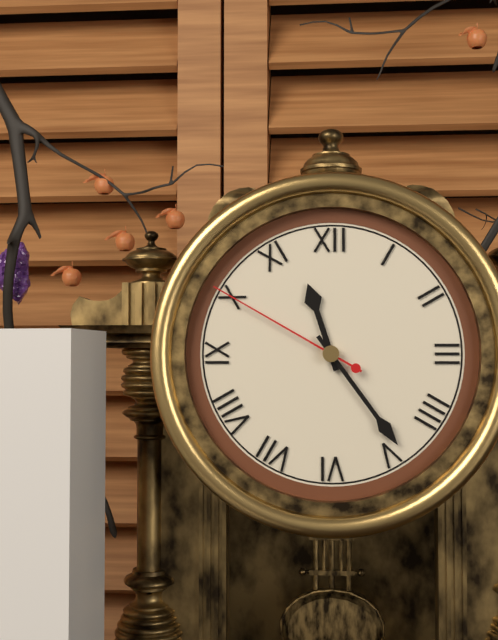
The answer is **11:24:50**
